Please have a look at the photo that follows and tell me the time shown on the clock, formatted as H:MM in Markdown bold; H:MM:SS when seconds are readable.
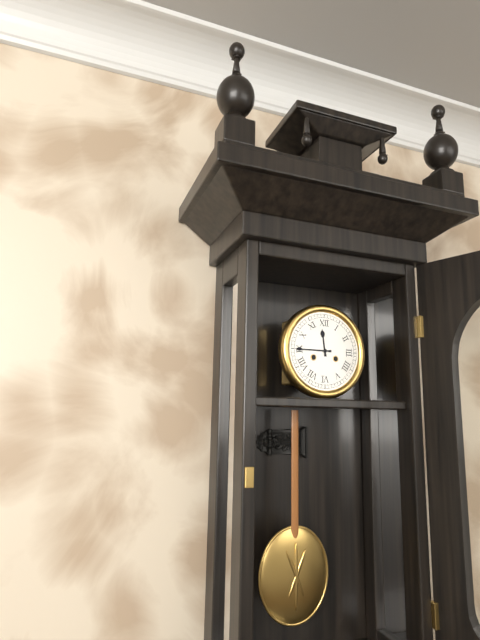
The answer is **11:45**
